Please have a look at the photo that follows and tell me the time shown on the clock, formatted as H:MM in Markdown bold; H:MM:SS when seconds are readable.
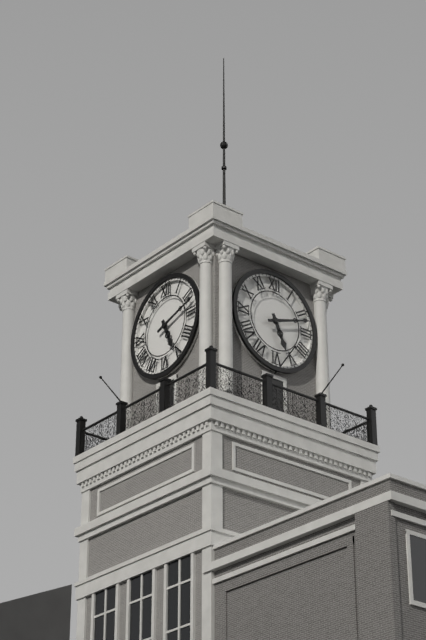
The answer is **5:12**
